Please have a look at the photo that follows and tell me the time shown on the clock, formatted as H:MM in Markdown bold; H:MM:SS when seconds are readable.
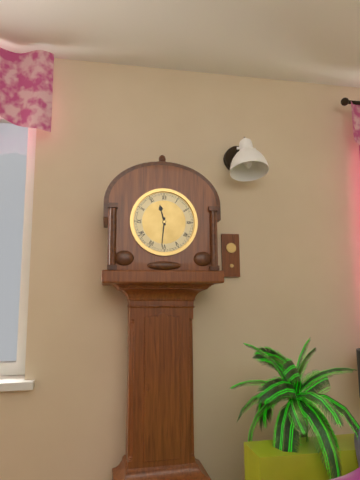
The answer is **11:31**
